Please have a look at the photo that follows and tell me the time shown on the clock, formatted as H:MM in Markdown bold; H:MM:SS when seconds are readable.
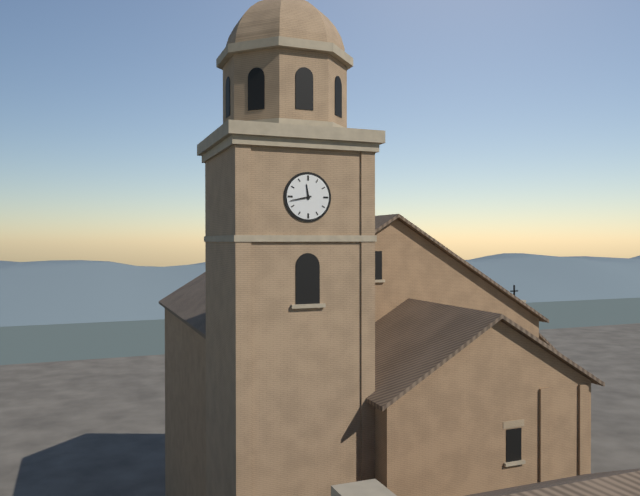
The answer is **11:43**
